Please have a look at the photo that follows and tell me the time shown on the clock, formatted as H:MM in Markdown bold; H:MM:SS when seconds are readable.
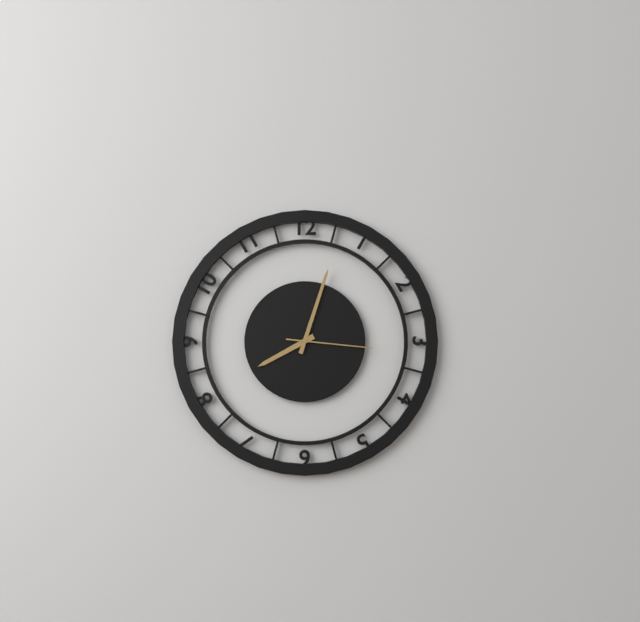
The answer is **8:03:16**
